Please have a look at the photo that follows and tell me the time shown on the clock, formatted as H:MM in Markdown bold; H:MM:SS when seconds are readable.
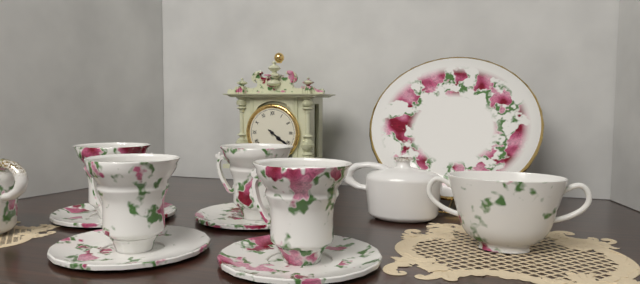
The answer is **4:21**
